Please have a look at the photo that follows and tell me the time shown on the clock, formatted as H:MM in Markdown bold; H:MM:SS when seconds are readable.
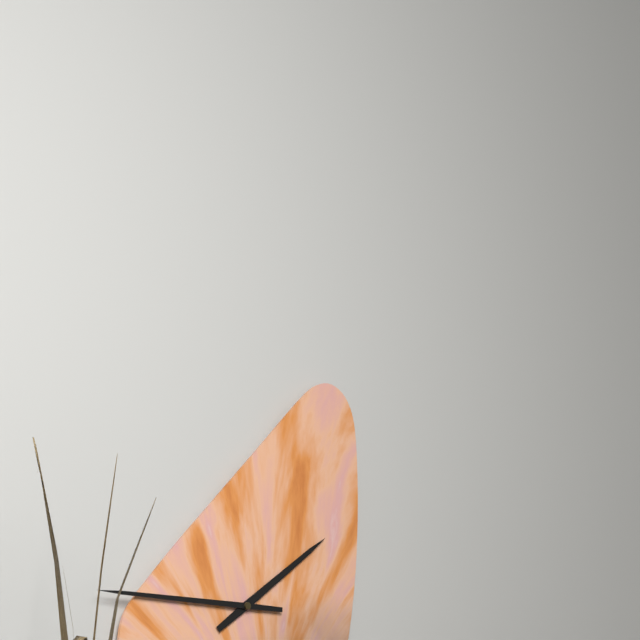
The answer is **1:45**
